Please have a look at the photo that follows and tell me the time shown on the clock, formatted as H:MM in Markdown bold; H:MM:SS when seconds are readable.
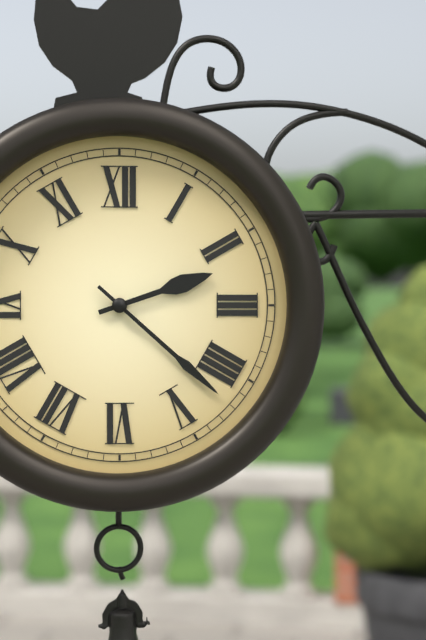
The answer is **2:22**
